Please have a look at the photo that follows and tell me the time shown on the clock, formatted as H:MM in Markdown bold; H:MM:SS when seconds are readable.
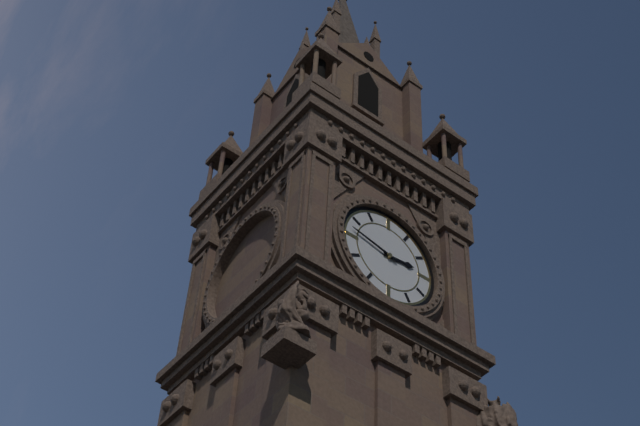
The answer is **2:47**
